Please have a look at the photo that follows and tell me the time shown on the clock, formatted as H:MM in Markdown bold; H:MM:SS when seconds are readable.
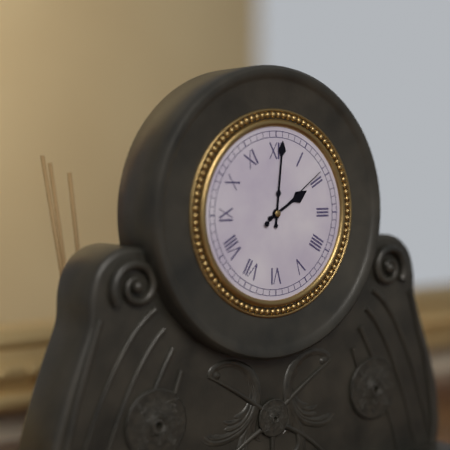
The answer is **2:01:09**
